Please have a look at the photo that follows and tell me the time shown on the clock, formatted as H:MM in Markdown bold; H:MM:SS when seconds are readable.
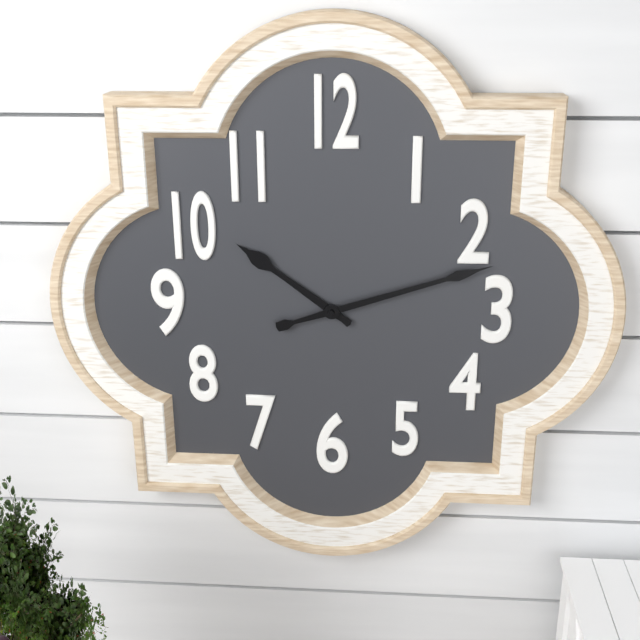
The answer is **10:12**
